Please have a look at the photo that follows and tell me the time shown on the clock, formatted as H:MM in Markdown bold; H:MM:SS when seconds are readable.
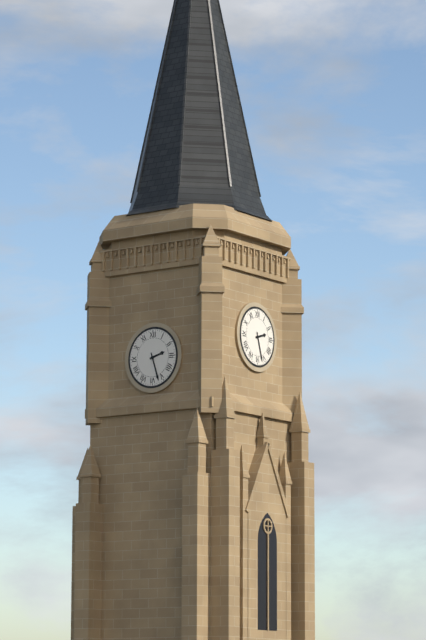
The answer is **2:27**
